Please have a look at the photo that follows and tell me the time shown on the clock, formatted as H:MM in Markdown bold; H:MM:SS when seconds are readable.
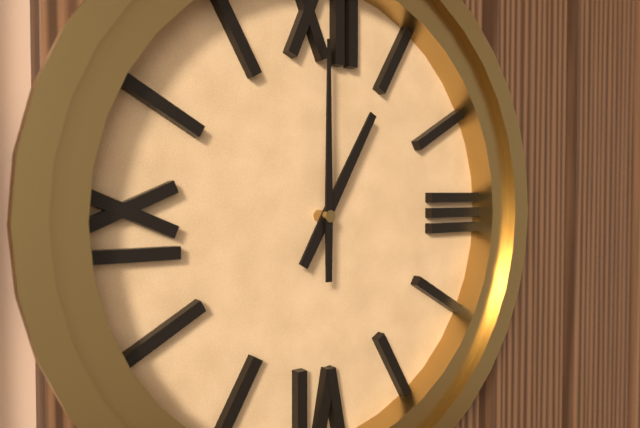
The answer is **1:00**
